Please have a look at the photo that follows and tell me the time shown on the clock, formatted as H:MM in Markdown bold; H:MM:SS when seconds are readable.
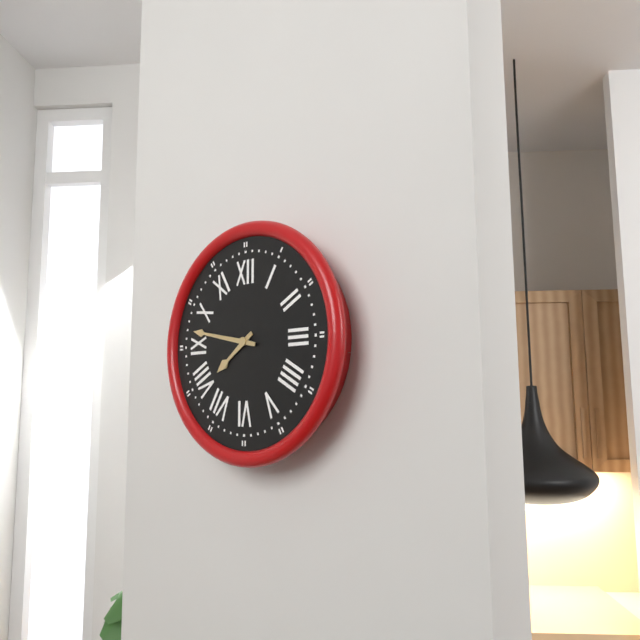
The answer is **7:47**
